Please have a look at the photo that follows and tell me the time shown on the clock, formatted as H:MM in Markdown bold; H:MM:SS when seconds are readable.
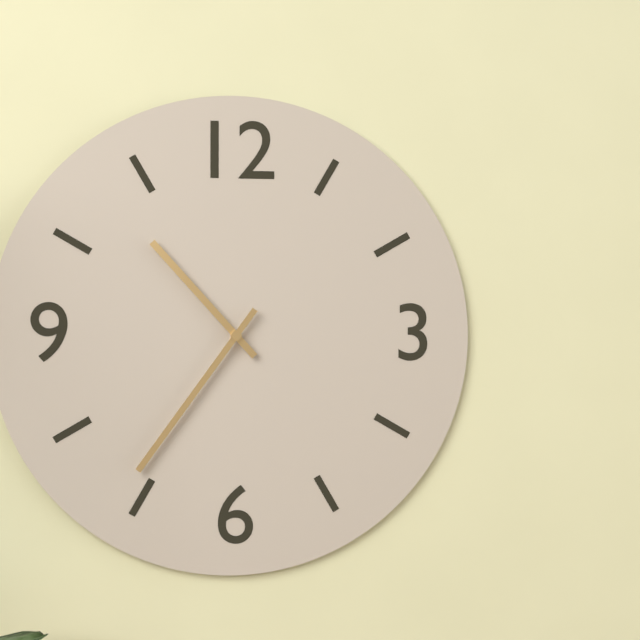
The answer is **10:36**
